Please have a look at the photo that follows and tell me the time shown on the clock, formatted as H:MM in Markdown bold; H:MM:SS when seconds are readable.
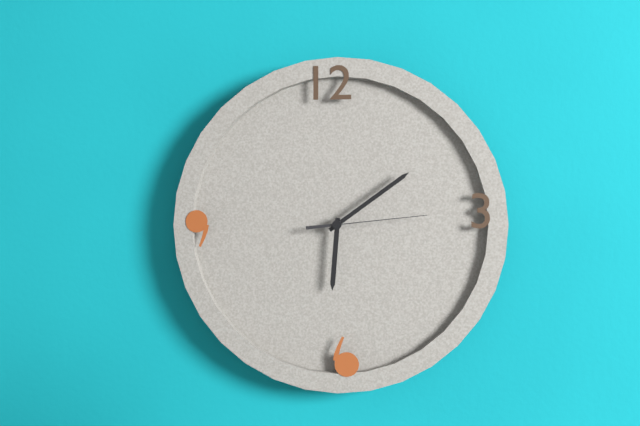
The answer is **6:09:14**
